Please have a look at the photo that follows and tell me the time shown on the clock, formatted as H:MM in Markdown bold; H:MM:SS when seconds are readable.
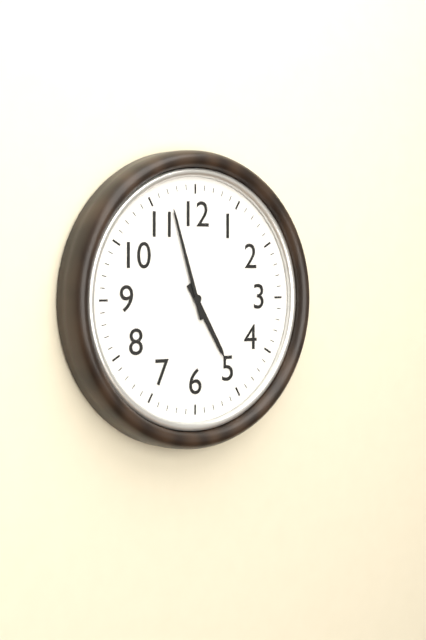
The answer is **4:57**
